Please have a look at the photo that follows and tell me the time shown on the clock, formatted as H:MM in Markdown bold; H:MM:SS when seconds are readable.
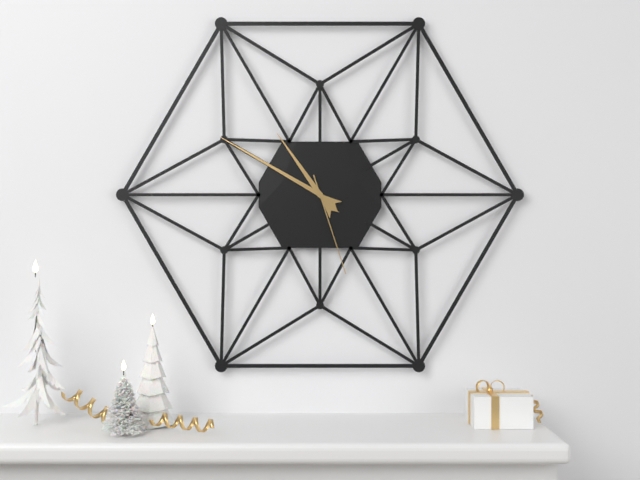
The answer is **10:50:27**
